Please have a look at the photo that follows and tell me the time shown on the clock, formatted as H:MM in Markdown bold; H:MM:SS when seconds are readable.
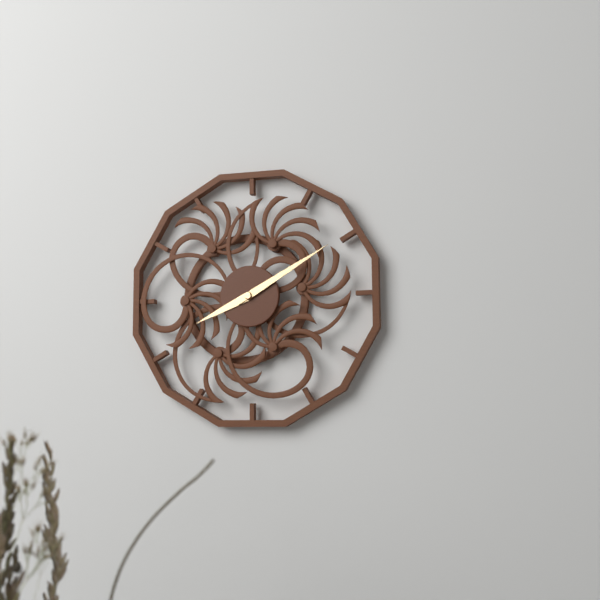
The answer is **8:10**
